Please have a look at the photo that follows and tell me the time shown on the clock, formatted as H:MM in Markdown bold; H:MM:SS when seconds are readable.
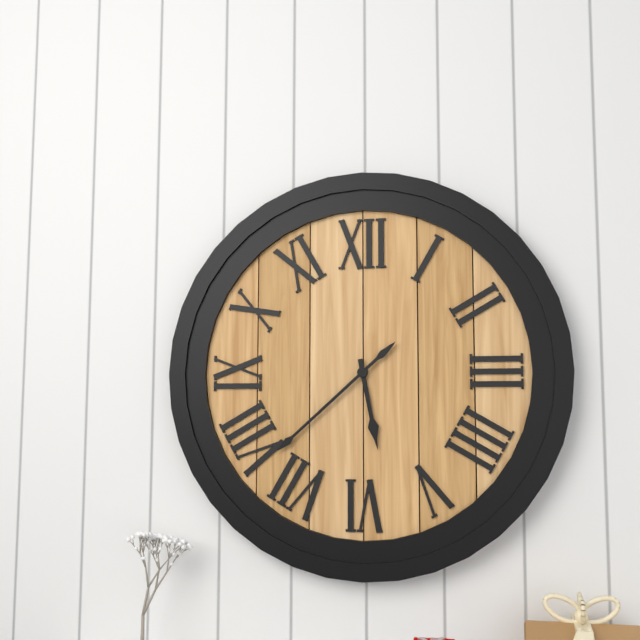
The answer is **5:38**
